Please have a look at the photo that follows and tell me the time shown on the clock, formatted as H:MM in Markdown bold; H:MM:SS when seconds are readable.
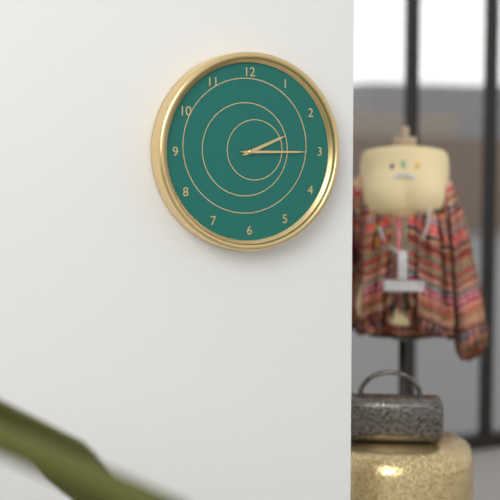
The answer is **2:15**
